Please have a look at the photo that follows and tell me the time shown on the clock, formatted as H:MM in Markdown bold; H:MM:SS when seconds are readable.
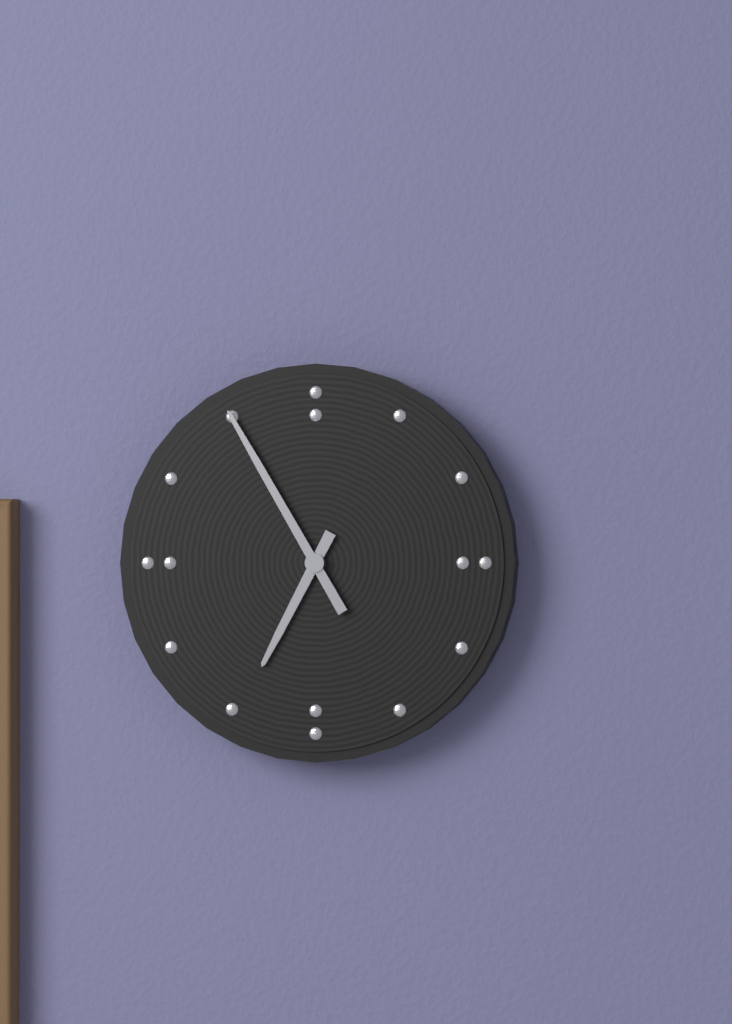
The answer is **6:55**
